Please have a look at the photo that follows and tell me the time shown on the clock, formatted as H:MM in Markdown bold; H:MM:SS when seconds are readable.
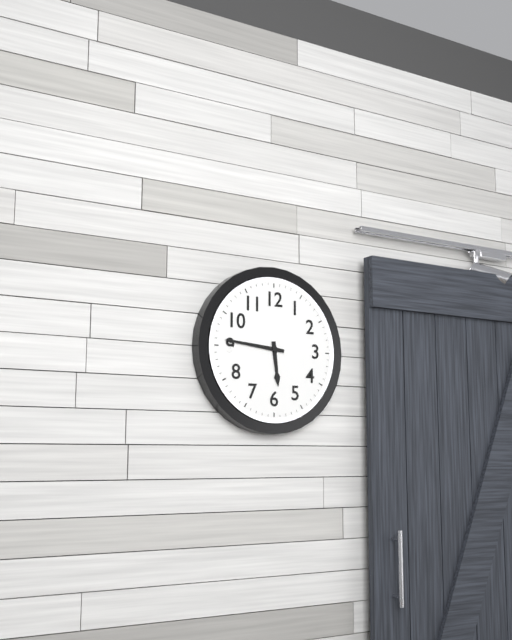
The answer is **5:46**
